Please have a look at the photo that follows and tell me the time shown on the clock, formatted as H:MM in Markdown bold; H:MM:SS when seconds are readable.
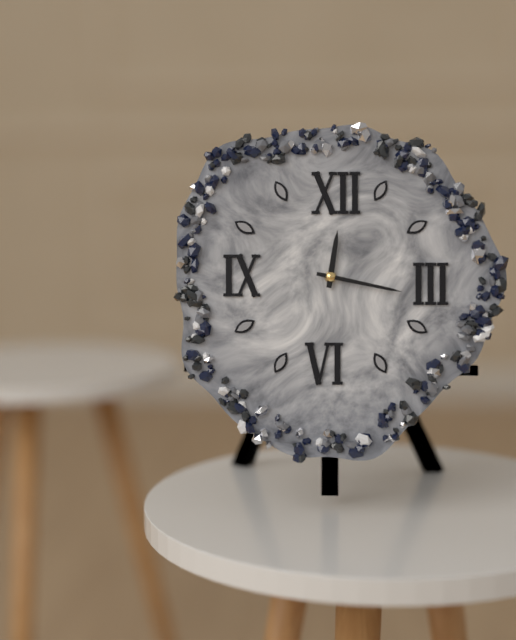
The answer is **12:17**
